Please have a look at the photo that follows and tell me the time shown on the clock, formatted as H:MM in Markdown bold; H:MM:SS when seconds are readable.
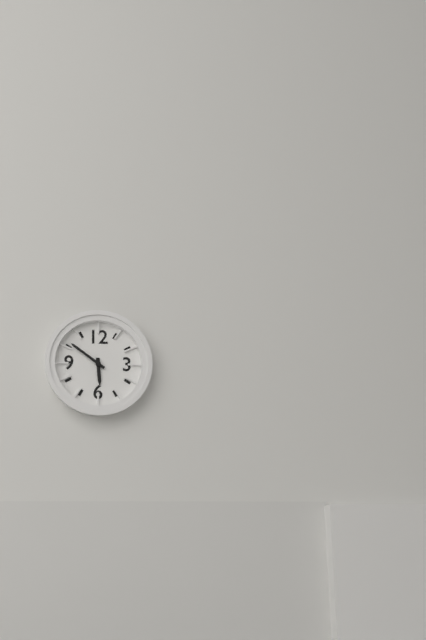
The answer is **5:51**
